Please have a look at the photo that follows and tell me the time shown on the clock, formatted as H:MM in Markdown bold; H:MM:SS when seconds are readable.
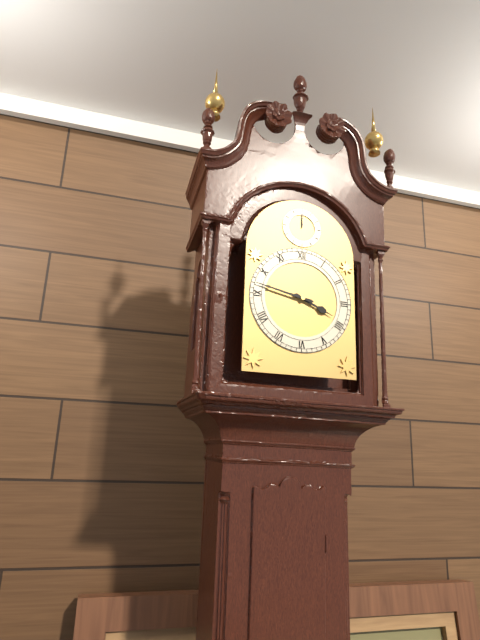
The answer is **3:47**
